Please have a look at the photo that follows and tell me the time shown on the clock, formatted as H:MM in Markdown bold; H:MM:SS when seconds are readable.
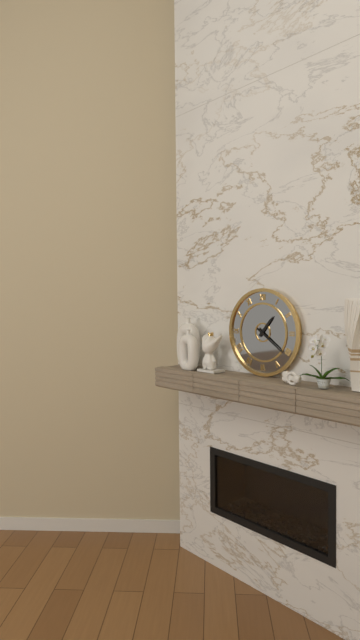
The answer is **1:21**
